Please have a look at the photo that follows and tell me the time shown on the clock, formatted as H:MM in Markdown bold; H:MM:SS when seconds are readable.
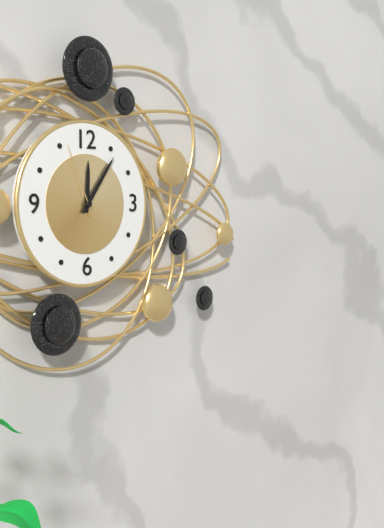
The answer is **12:06:56**
